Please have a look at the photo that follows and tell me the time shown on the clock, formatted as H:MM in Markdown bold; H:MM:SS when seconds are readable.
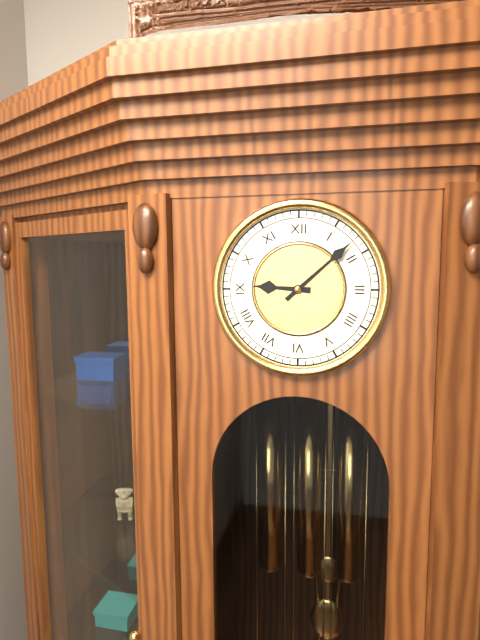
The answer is **9:08**
